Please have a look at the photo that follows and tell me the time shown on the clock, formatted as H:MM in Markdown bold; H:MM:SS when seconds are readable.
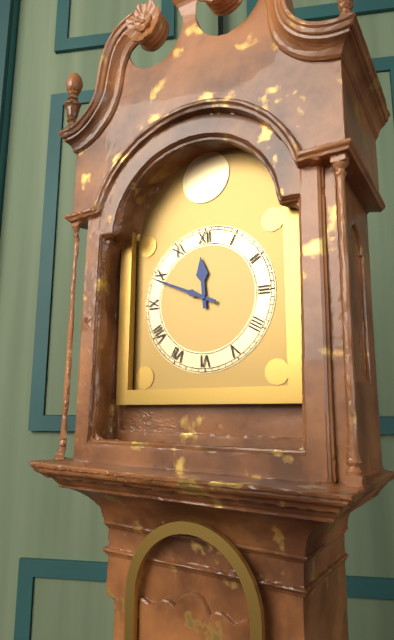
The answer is **11:49**
